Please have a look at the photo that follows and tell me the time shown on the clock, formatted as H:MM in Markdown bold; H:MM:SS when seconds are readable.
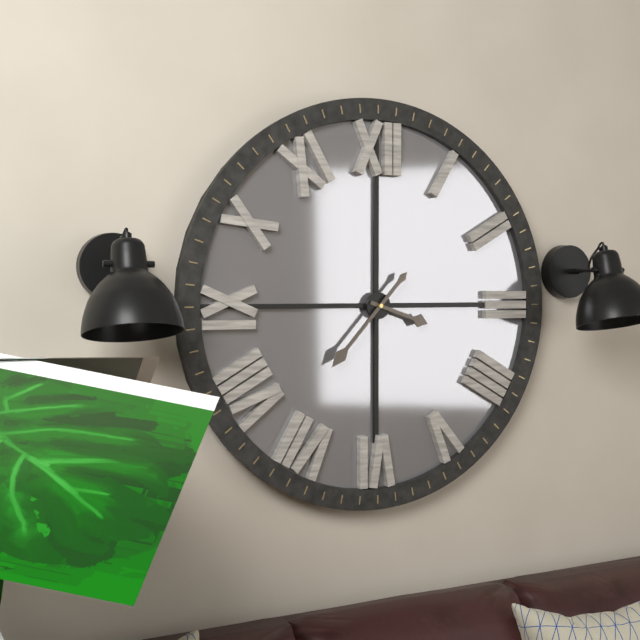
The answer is **3:37**
